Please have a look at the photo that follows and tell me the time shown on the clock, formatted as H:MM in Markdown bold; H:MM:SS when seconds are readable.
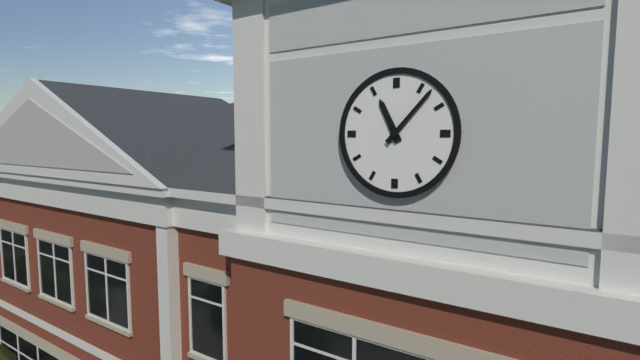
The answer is **11:07**
